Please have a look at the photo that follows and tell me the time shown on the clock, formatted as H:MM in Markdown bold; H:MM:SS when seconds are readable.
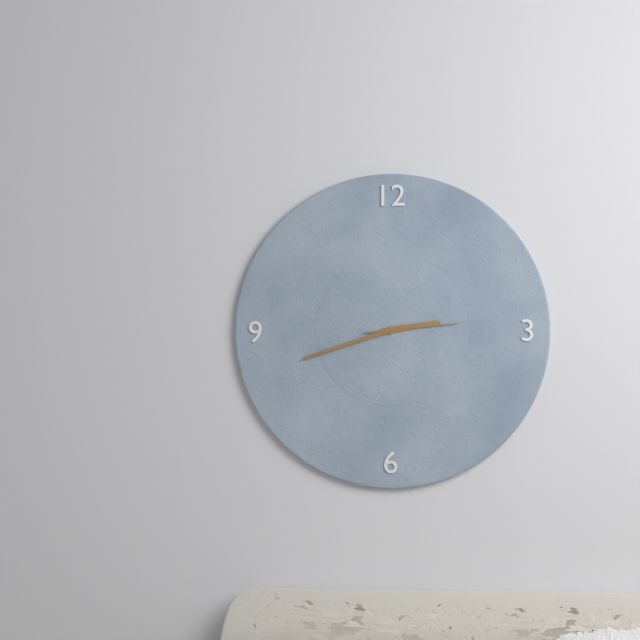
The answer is **2:42:14**
